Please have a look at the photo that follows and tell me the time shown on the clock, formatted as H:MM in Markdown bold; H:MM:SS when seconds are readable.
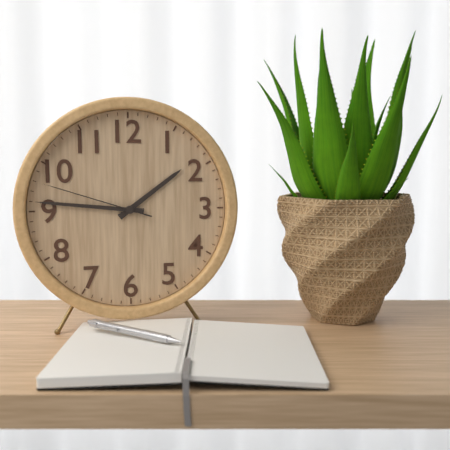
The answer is **1:46:48**
